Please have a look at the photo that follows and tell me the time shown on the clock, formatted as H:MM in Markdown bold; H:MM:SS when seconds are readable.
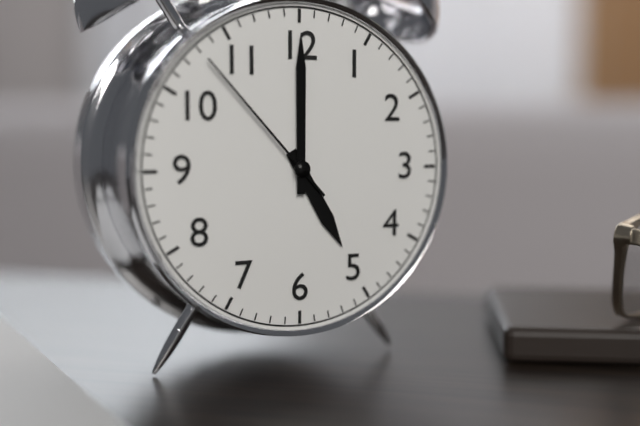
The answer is **5:00:53**
